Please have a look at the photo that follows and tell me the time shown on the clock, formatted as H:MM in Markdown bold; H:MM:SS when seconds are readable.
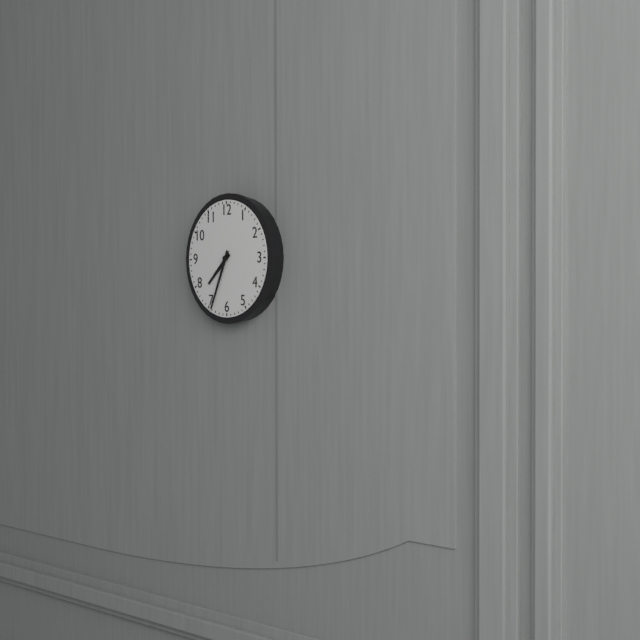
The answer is **7:34**
